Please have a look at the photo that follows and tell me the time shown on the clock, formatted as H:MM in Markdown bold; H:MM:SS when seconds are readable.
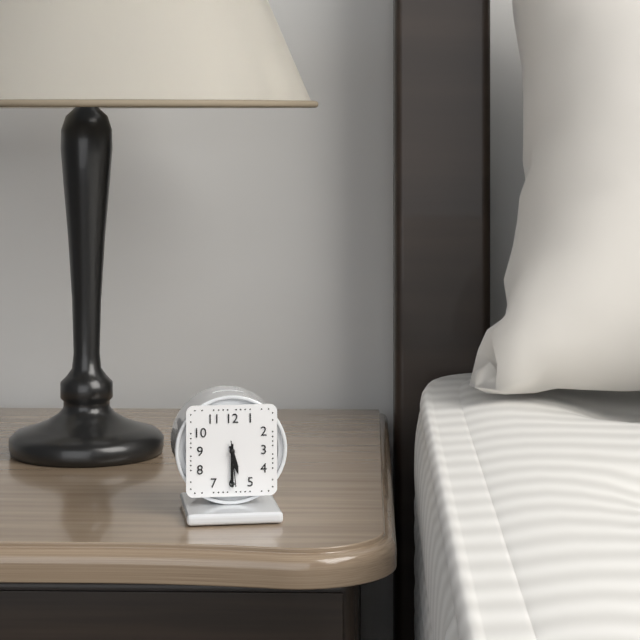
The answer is **5:30**
